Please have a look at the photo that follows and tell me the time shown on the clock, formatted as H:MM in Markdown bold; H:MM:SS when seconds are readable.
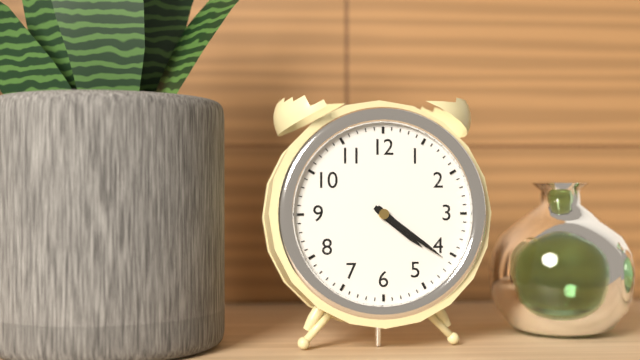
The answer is **4:21**
